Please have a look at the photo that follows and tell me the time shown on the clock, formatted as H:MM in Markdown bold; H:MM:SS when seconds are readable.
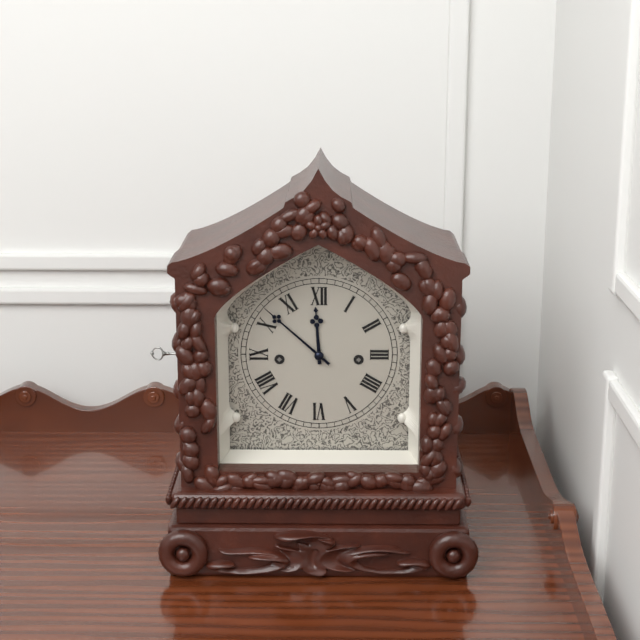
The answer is **11:52**
